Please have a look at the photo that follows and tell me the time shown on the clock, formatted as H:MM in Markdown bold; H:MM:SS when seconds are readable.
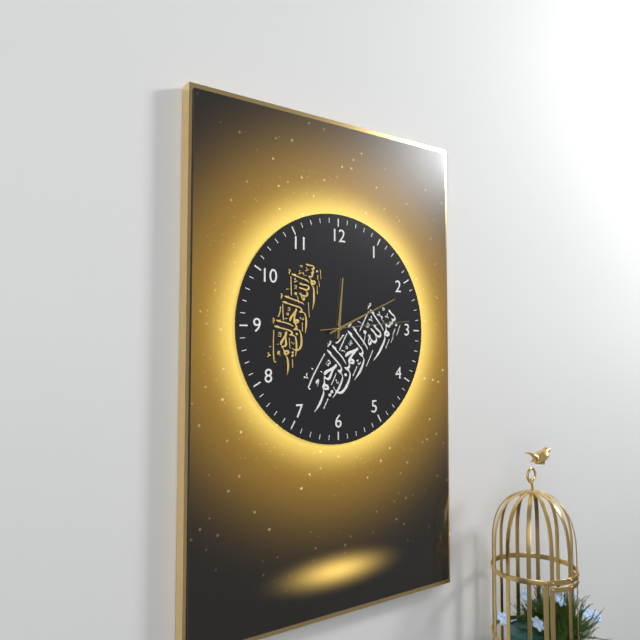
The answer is **12:11:14**
